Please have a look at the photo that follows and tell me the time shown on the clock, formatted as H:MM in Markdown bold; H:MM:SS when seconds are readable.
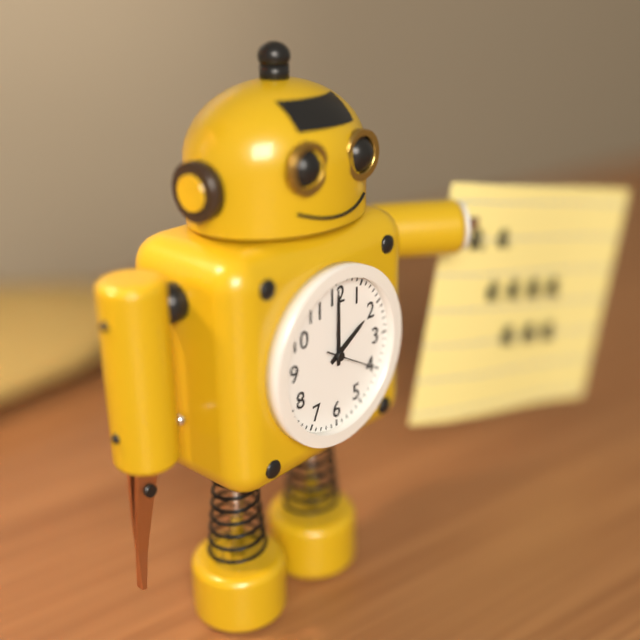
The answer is **2:00:20**
